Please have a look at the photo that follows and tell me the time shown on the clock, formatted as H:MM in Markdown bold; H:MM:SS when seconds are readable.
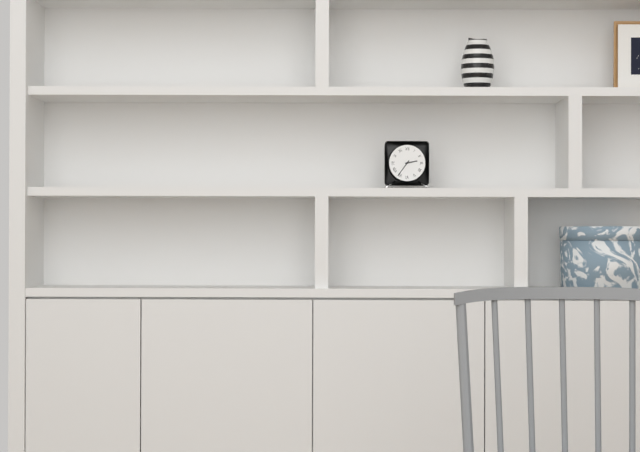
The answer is **2:36**
